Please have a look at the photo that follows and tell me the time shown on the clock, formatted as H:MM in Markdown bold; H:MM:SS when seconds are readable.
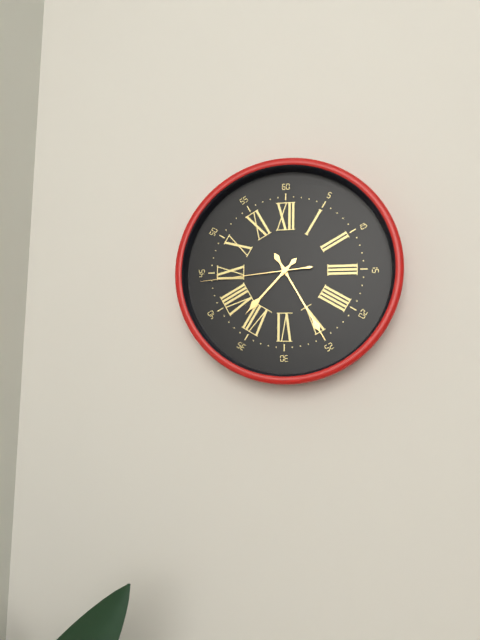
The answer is **7:25:44**
